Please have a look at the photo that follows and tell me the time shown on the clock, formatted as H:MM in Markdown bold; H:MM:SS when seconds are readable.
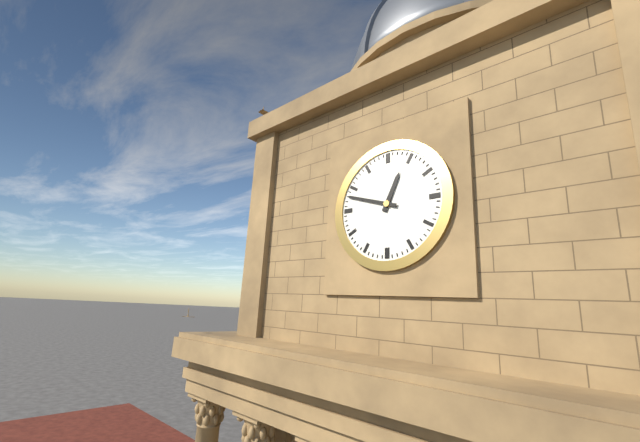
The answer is **12:48**
